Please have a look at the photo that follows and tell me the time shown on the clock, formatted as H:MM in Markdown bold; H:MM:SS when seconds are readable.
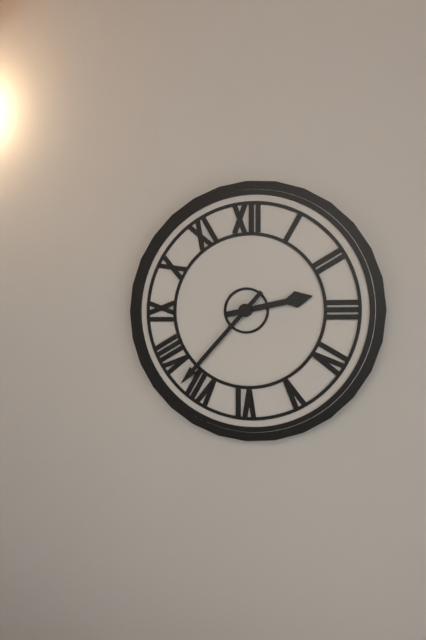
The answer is **2:37**
